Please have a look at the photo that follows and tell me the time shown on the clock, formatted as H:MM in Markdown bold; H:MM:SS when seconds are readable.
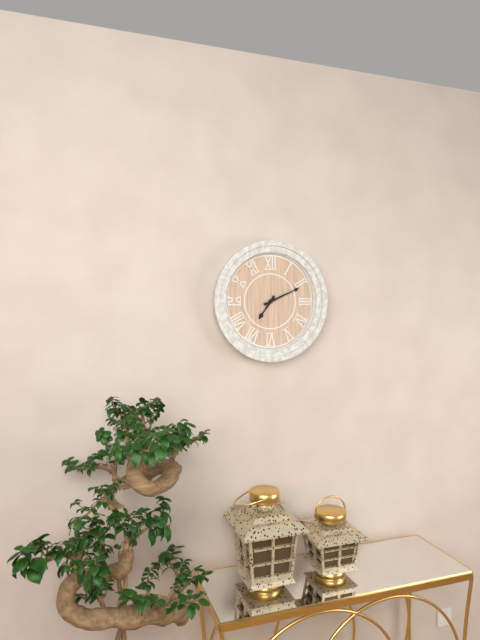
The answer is **7:11**
